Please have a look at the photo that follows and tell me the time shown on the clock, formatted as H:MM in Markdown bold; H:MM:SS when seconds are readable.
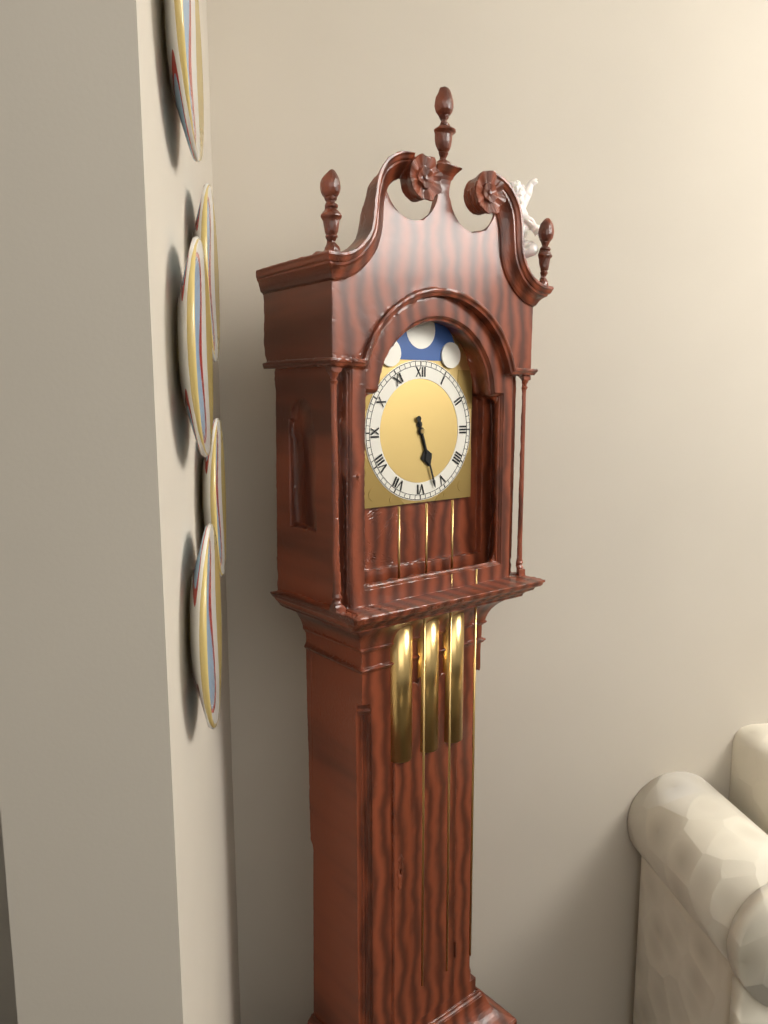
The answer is **5:27**
